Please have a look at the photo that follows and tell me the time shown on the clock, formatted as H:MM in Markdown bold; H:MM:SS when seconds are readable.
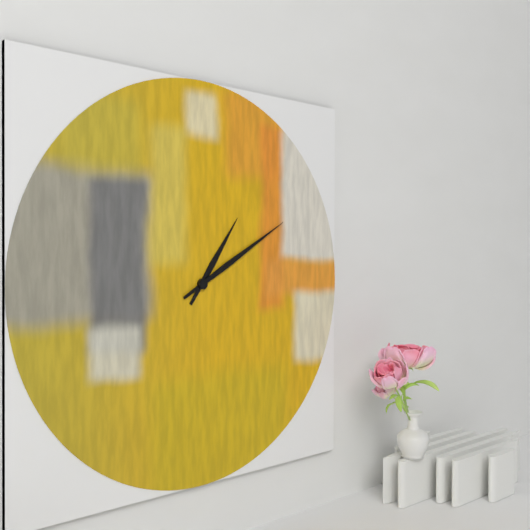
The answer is **1:10**
